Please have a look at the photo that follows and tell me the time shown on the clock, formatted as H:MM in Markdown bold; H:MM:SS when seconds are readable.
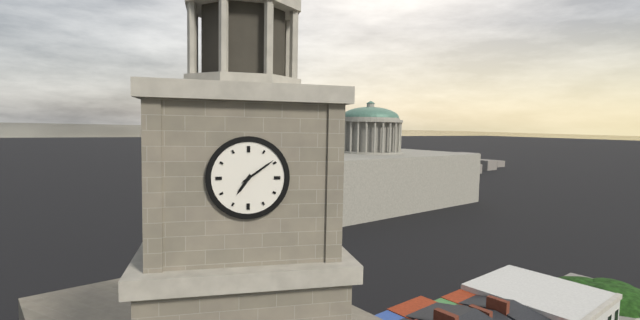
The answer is **7:09**
